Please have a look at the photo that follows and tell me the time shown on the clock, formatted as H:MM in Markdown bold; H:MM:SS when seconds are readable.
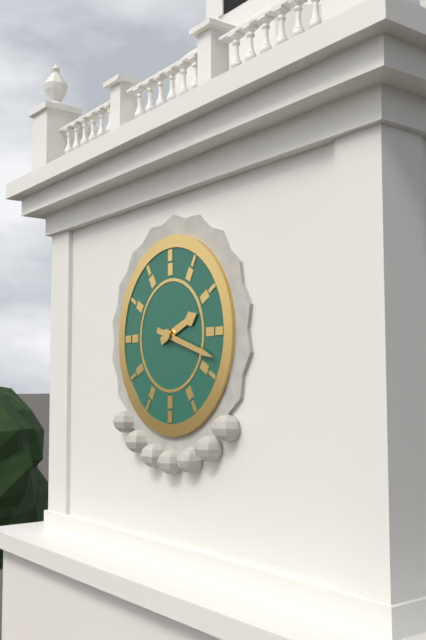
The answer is **2:18**
